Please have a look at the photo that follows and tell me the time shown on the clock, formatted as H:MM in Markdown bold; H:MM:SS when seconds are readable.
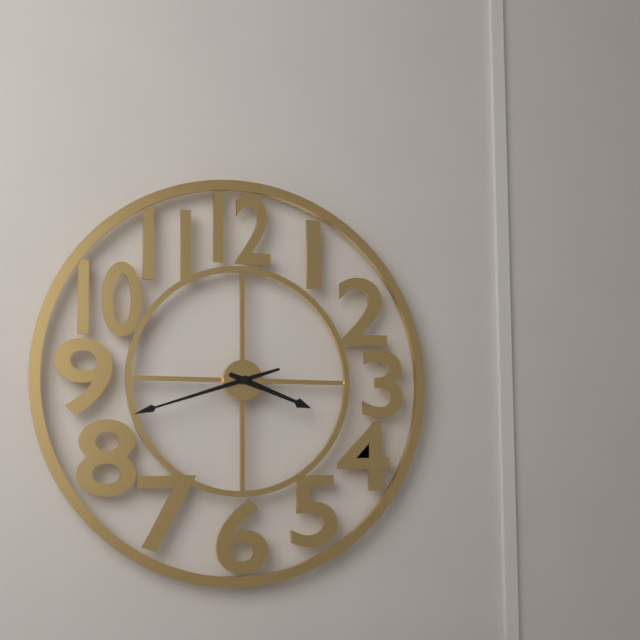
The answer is **3:42**
